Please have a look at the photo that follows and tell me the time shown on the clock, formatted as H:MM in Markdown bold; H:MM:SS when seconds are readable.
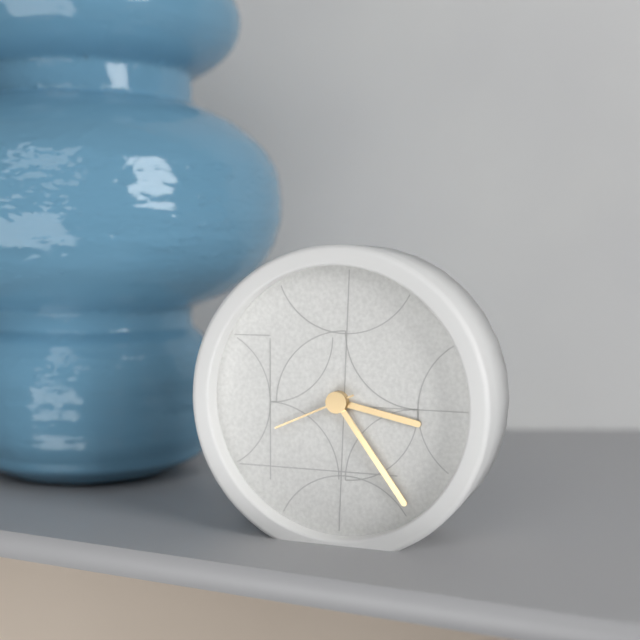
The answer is **3:24:41**
